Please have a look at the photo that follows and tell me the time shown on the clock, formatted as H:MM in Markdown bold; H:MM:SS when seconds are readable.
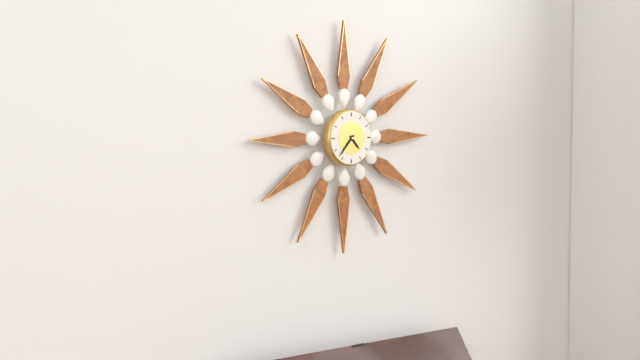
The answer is **4:37**
